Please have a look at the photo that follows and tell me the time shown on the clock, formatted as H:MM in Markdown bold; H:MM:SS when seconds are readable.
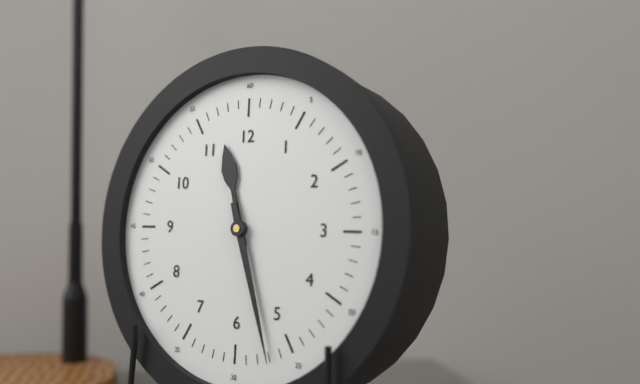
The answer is **11:27**
